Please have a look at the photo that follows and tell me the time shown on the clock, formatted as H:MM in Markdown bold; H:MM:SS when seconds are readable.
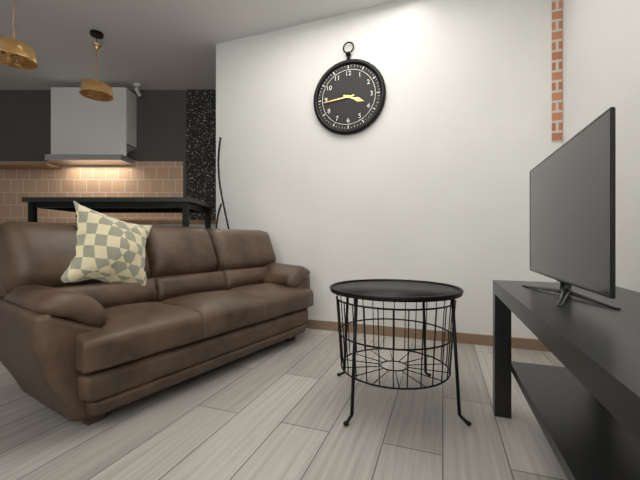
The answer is **3:44**
